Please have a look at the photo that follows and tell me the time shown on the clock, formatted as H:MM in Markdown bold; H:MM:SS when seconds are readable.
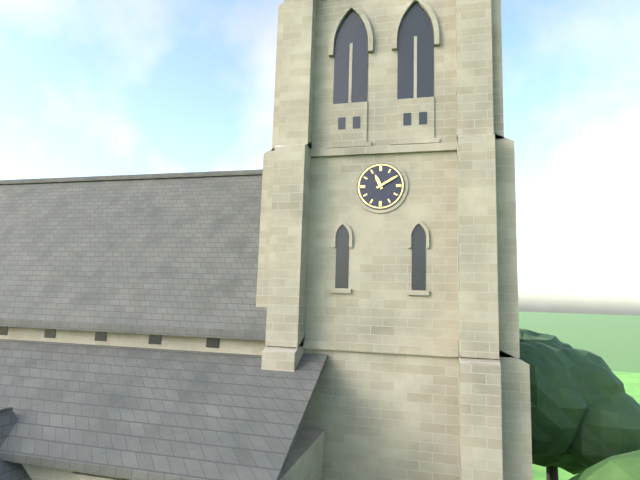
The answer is **11:10**
